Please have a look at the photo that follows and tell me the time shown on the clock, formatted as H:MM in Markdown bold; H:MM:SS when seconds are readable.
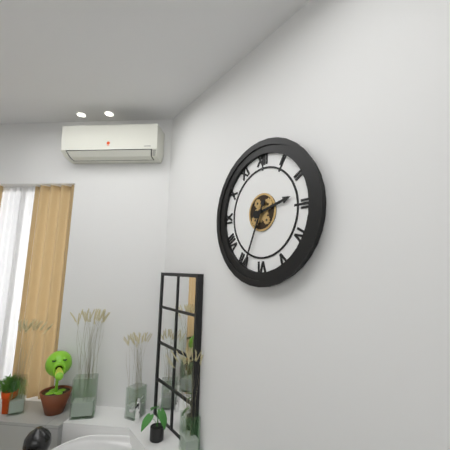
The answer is **2:34**
